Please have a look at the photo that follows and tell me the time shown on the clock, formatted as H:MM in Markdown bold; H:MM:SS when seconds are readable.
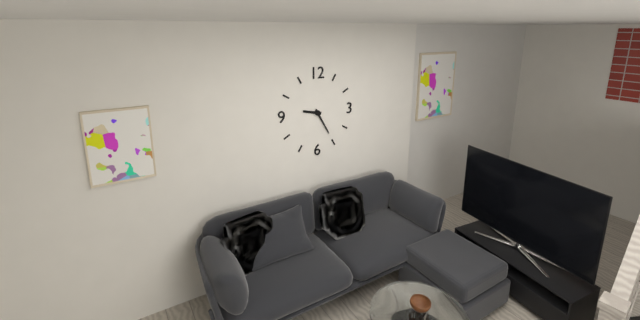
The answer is **9:25**
